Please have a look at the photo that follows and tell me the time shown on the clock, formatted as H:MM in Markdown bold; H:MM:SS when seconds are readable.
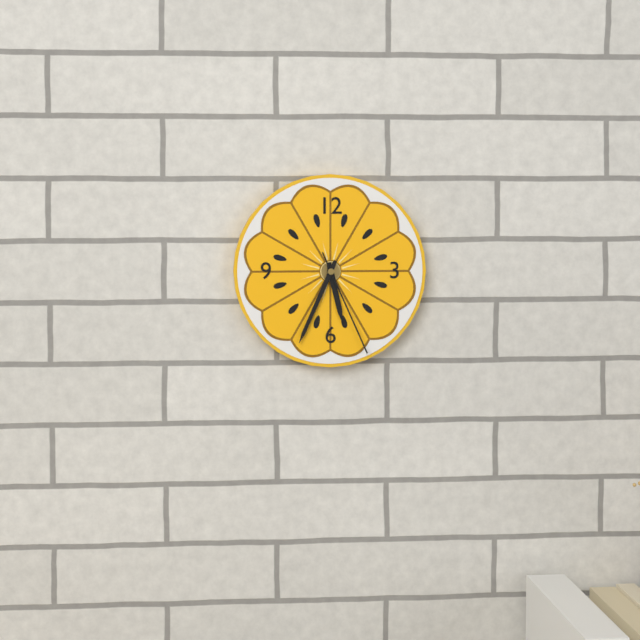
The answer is **5:34:26**
